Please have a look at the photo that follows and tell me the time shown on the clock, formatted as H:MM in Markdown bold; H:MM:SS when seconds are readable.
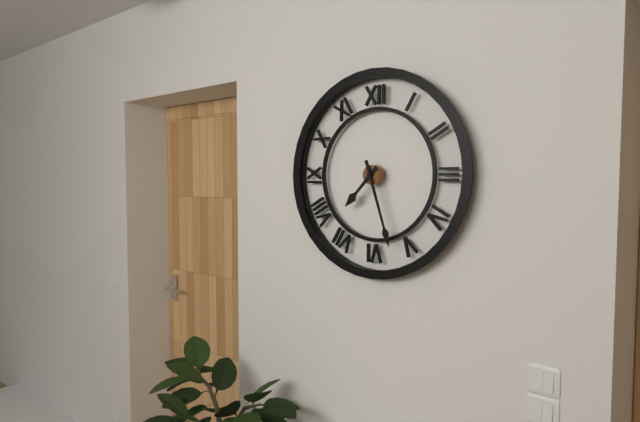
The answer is **7:27**
